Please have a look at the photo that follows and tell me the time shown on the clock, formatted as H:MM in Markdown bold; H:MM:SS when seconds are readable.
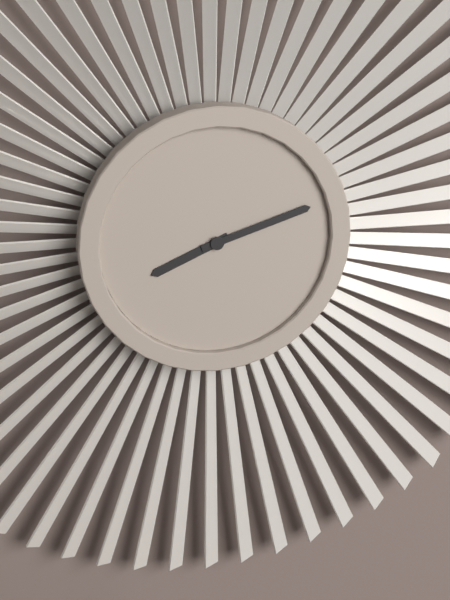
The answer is **8:12**
